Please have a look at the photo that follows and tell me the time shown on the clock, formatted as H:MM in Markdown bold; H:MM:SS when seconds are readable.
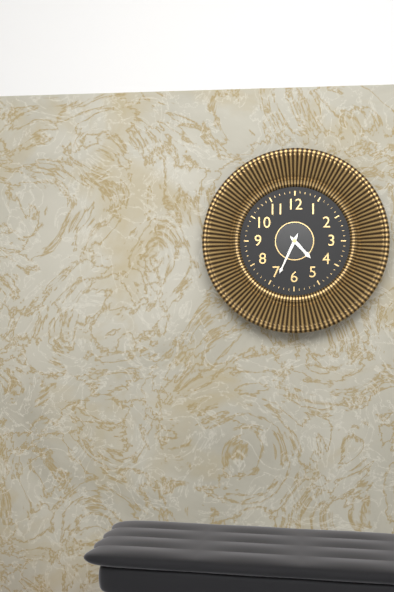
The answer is **4:34**
